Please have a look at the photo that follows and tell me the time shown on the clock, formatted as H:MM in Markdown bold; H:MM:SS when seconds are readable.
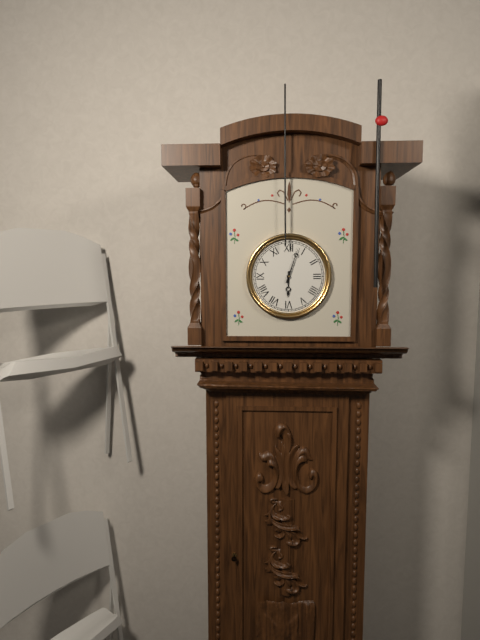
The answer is **6:03**
